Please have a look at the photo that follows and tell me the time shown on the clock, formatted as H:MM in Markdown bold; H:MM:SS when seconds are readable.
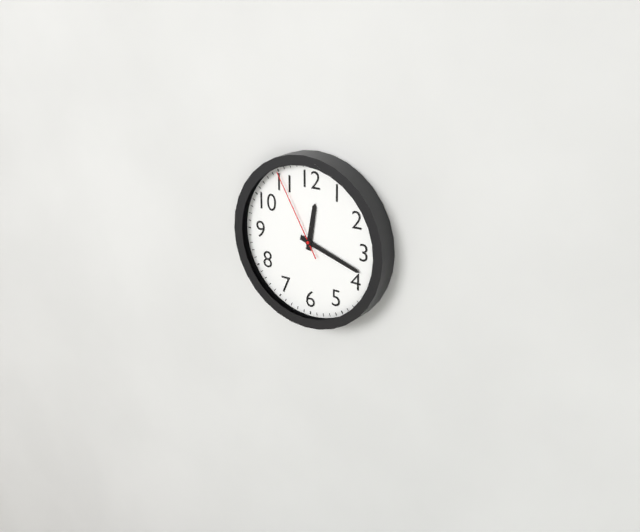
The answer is **12:18:55**
